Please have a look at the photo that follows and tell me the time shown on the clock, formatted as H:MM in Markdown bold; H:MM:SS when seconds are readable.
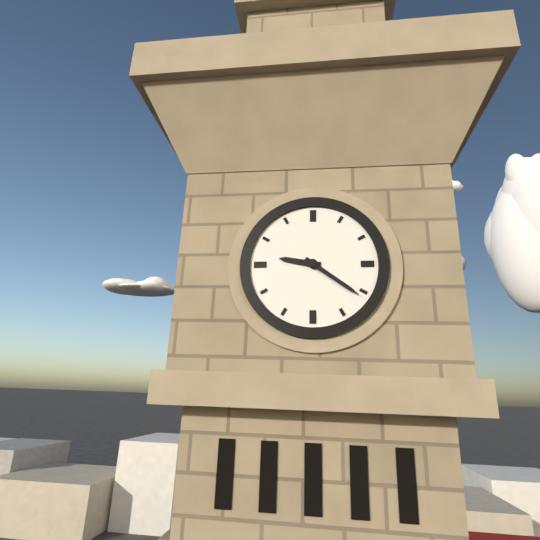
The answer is **9:21**
